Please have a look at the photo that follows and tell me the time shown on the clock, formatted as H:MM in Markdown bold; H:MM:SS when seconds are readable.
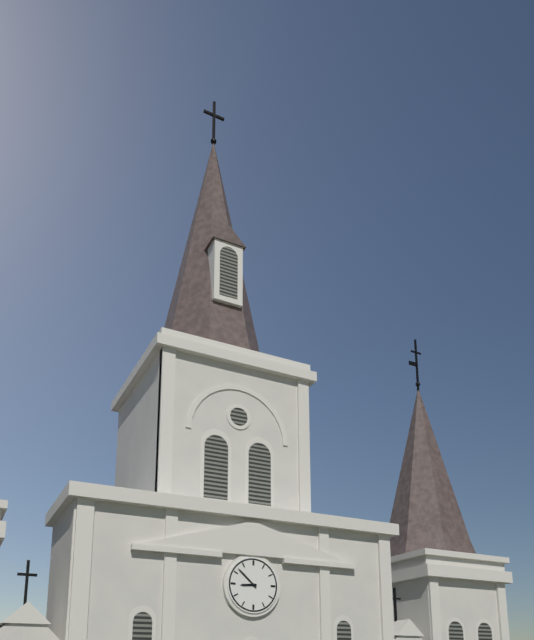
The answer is **8:52**
